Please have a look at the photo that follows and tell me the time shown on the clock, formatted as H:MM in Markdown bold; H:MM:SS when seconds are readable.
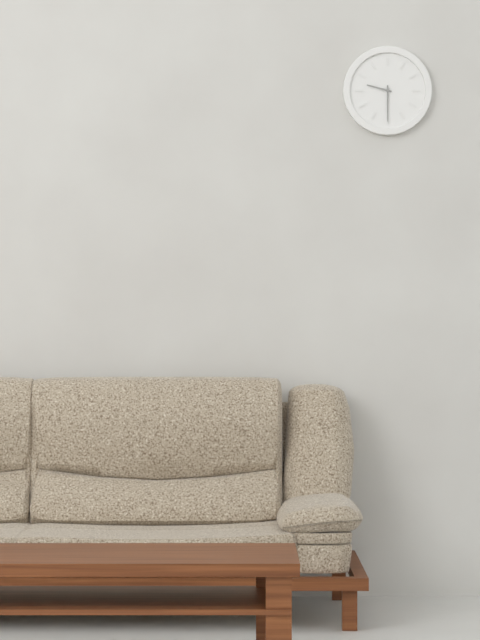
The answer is **9:30**
